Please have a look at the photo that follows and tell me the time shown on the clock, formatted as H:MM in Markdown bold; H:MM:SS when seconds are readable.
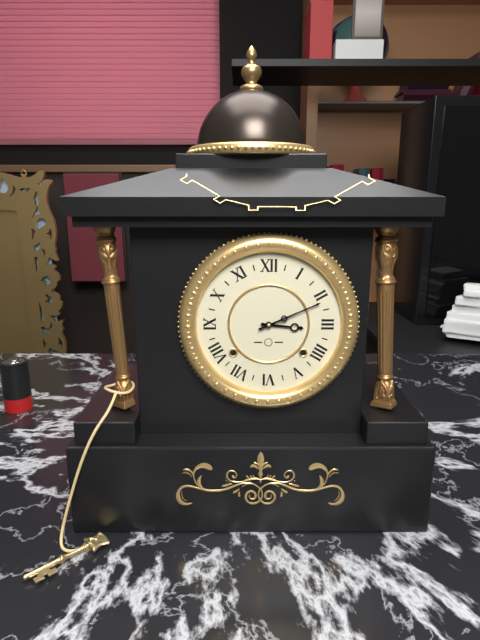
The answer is **3:11**
